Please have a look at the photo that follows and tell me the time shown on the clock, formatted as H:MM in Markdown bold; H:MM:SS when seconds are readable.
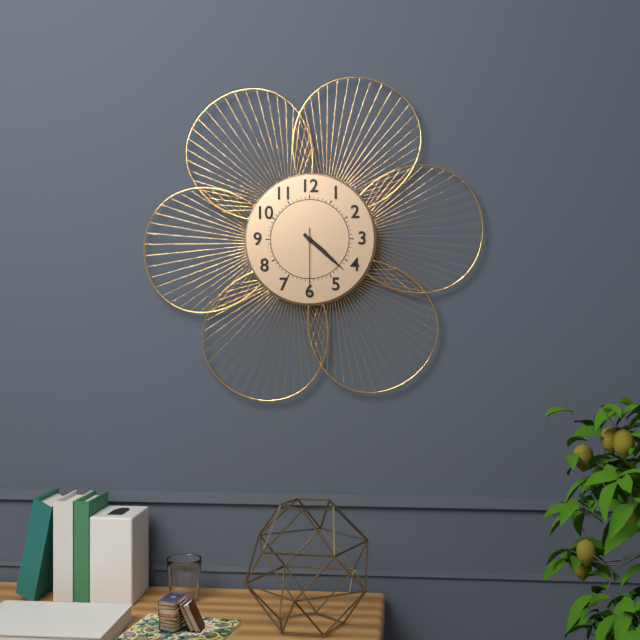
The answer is **4:22:30**
